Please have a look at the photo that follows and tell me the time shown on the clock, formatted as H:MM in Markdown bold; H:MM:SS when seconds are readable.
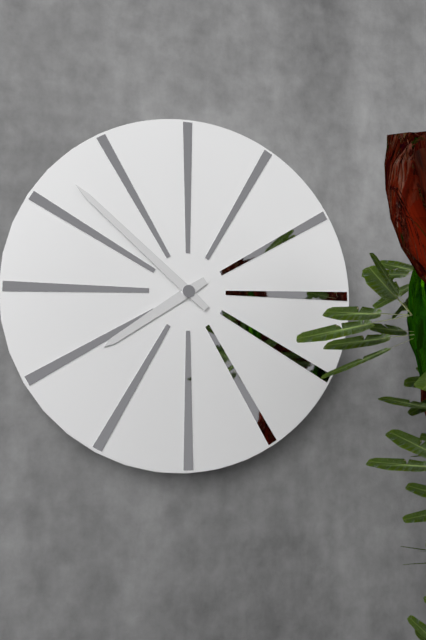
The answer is **7:52**
